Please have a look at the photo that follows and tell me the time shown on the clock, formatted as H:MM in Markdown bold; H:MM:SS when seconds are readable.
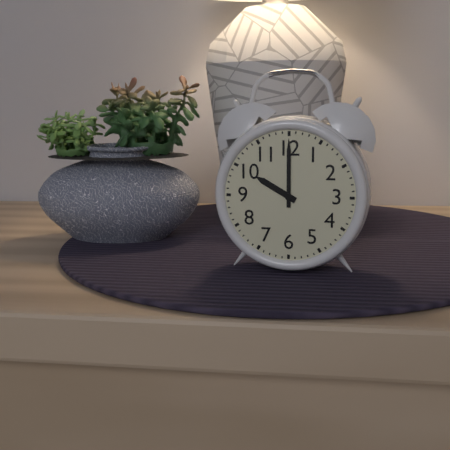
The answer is **10:00**
